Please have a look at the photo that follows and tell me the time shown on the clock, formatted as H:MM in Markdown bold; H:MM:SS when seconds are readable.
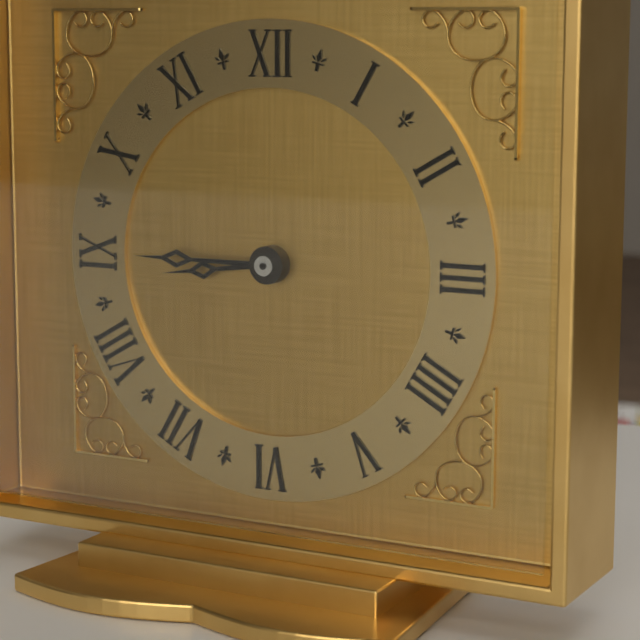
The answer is **8:45**
